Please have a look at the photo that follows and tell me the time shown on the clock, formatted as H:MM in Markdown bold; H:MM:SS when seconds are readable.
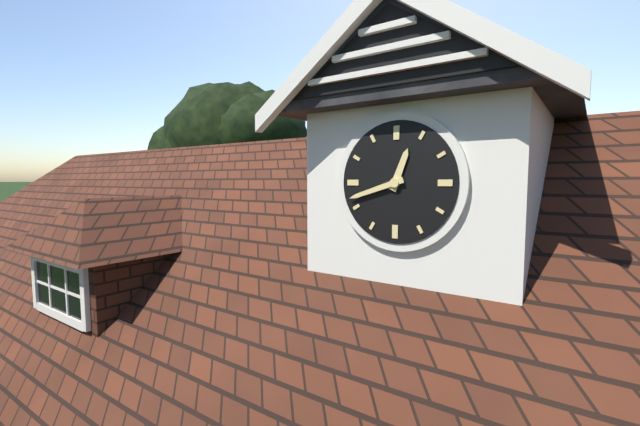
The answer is **12:42**
